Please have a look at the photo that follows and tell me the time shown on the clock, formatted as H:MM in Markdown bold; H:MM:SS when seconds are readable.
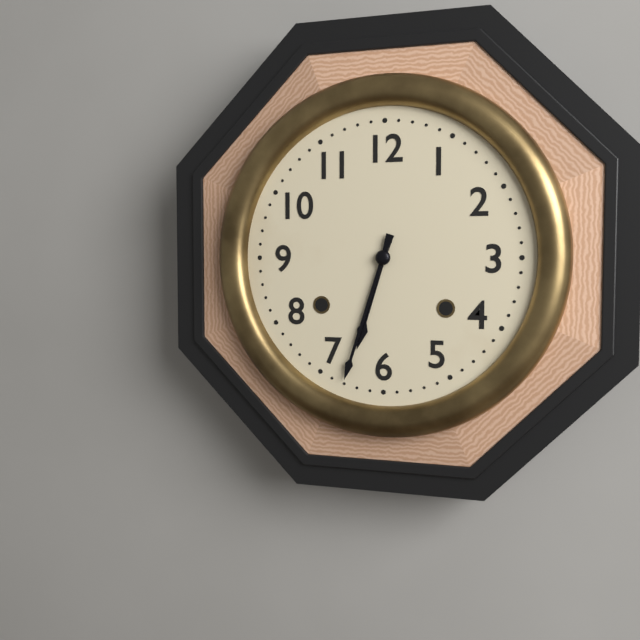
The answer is **6:33**
